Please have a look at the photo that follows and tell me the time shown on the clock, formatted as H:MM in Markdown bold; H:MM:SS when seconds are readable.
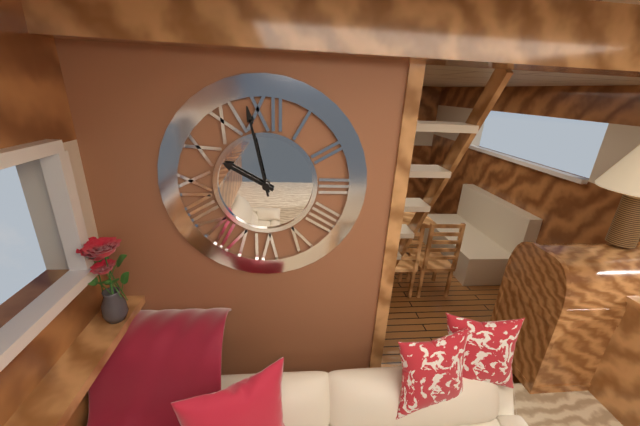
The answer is **9:58**
